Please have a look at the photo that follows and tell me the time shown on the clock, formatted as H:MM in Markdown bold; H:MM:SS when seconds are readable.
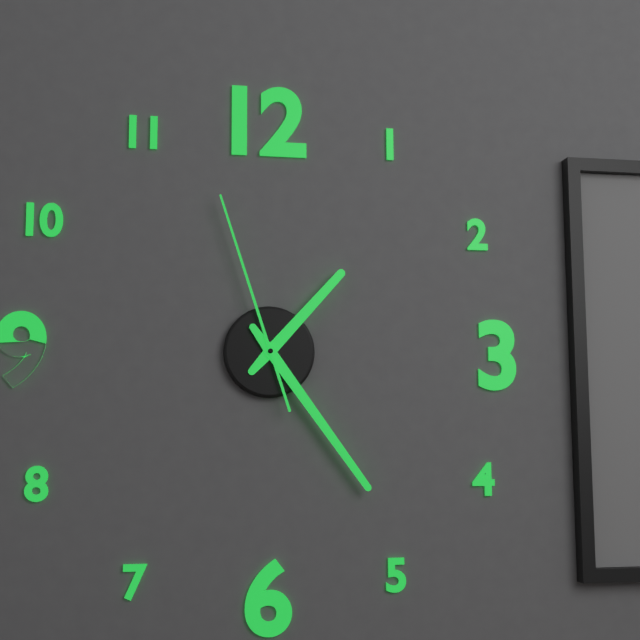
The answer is **1:24:57**
